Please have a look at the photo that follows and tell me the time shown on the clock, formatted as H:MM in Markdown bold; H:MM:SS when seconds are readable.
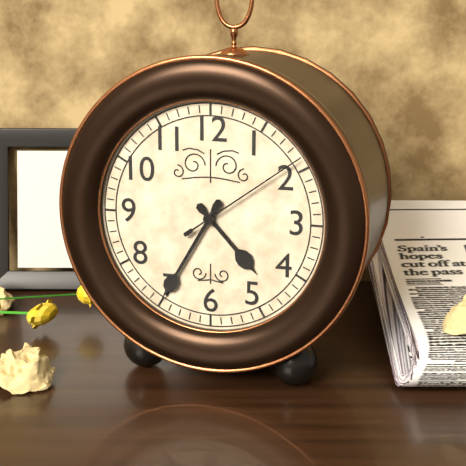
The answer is **4:35:09**
